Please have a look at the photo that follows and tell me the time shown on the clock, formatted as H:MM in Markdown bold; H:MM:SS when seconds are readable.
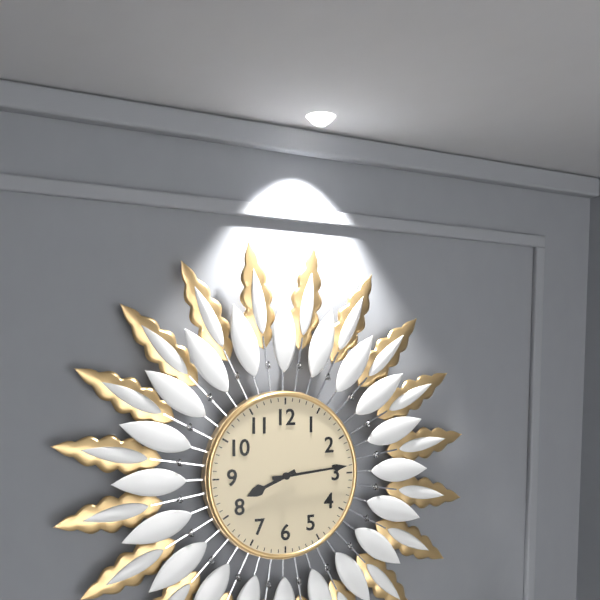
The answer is **8:14**
